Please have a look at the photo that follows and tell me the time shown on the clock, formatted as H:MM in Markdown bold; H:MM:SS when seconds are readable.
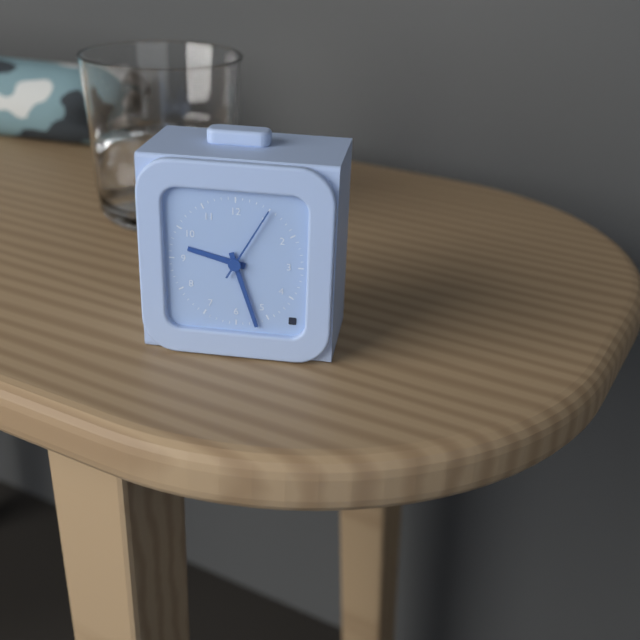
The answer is **9:27:05**
